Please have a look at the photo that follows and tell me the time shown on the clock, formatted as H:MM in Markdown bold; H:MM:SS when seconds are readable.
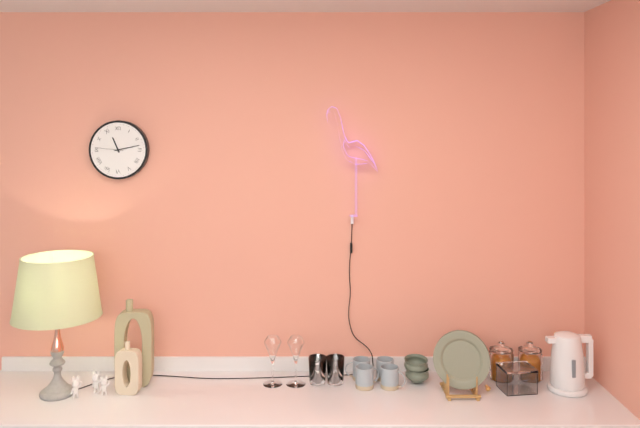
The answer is **11:13**
